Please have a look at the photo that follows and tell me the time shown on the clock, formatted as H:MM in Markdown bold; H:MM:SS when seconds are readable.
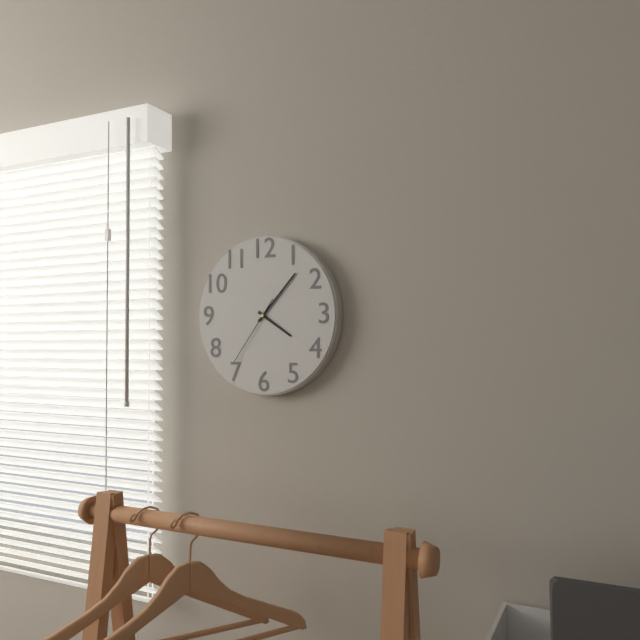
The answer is **4:07:36**
